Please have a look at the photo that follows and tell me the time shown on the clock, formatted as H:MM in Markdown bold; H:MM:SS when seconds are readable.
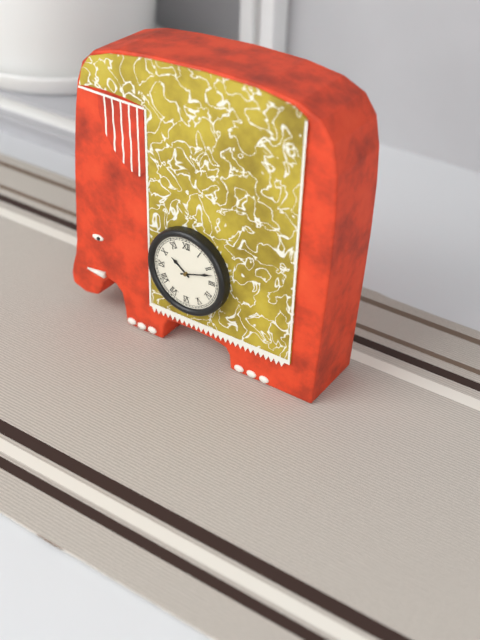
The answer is **10:12**
